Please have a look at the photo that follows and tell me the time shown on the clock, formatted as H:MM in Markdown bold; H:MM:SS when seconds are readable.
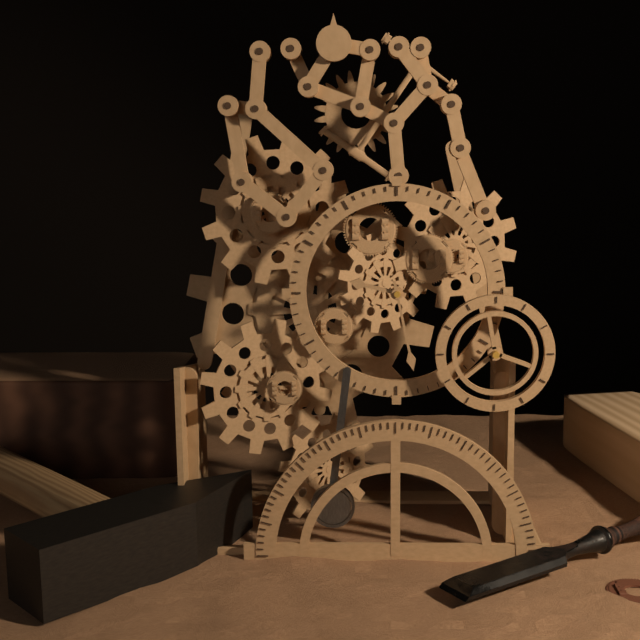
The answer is **9:28**
